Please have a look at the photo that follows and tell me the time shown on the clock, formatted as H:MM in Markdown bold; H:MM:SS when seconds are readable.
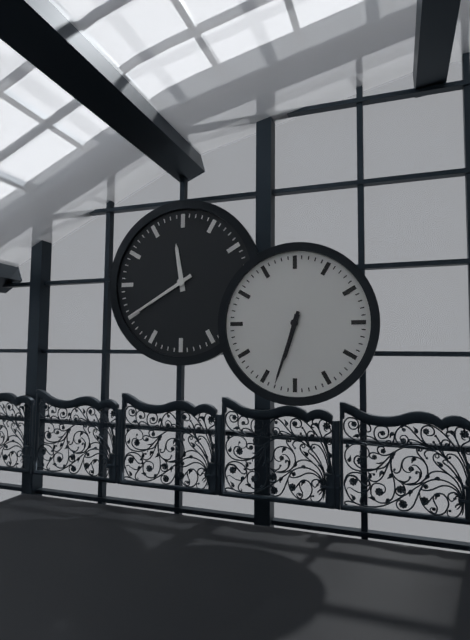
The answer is **6:33**
